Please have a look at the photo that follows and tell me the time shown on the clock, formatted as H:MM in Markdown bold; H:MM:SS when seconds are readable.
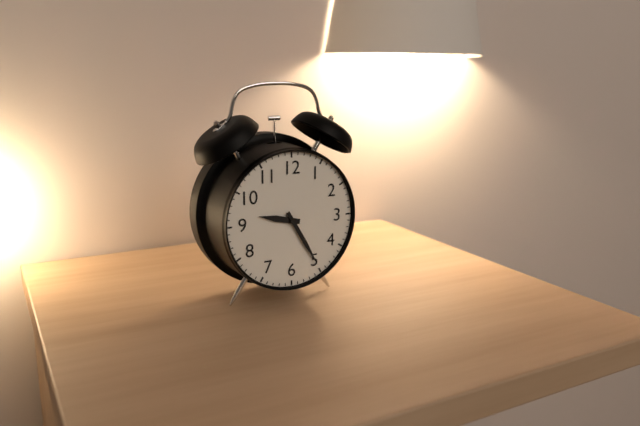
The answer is **9:25**
